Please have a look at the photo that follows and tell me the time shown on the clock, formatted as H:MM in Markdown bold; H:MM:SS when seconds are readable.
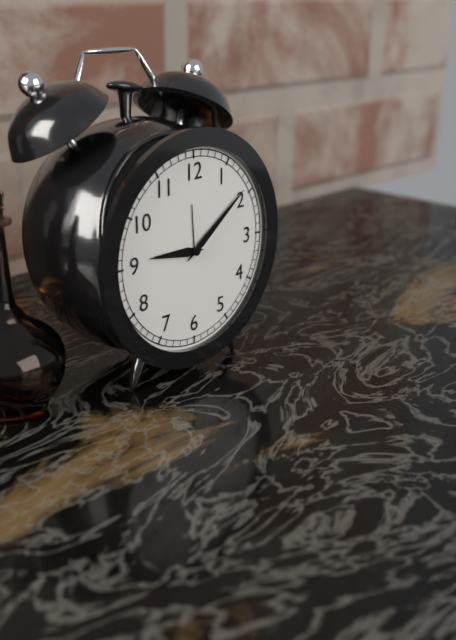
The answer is **9:09**
